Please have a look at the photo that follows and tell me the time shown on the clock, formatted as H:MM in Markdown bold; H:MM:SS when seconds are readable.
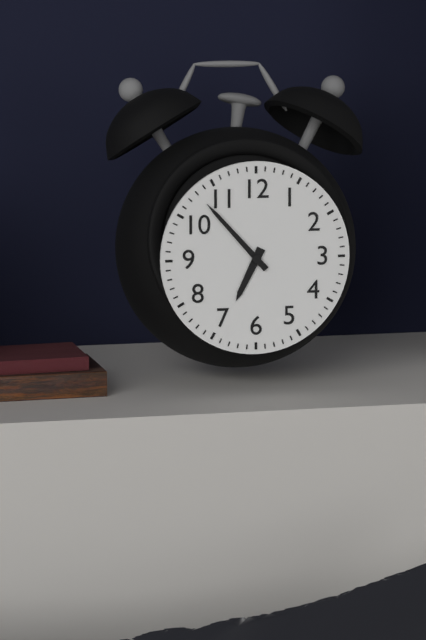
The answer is **6:53**
